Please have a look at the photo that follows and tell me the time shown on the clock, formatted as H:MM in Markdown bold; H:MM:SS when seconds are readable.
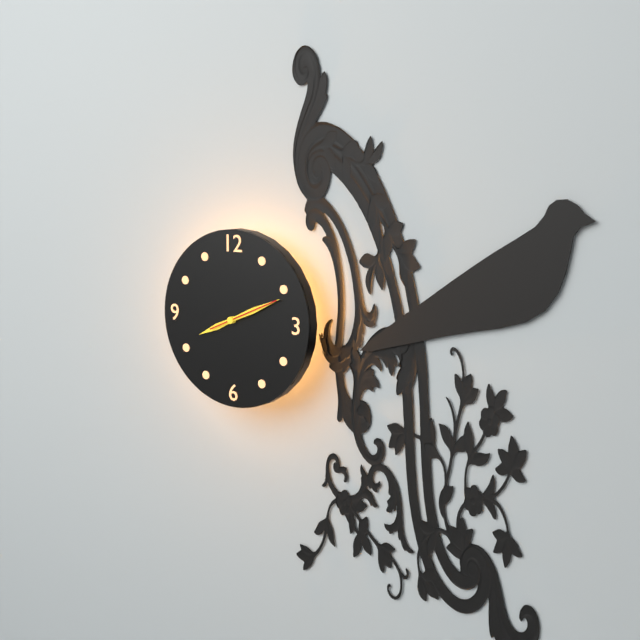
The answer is **8:11**
